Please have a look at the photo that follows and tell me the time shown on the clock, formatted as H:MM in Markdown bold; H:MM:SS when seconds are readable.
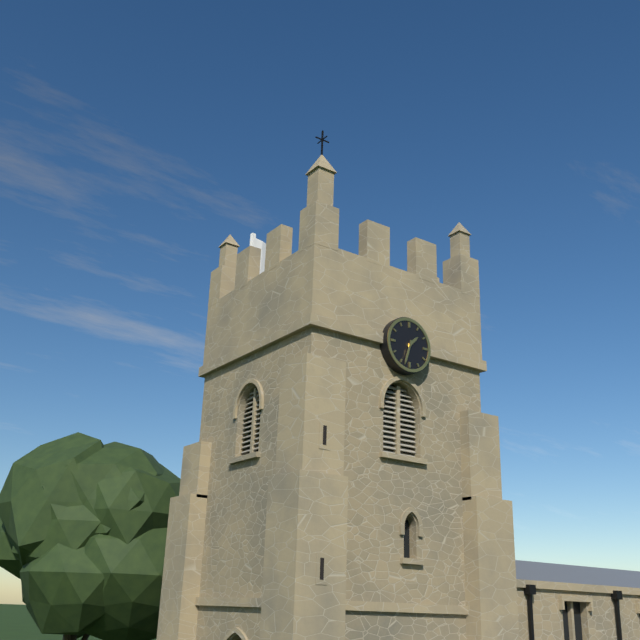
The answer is **1:33**
